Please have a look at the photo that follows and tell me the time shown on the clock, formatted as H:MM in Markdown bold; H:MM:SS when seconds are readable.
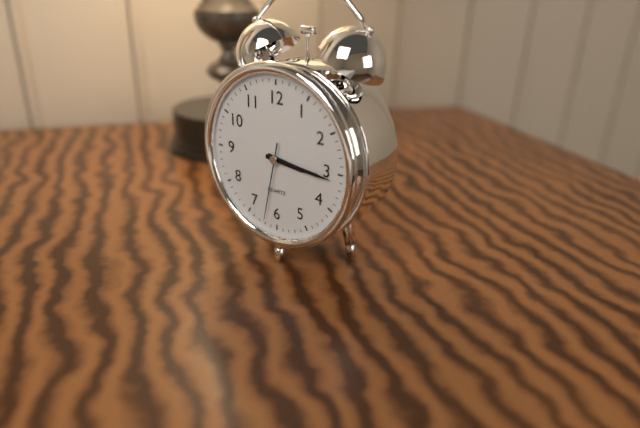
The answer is **3:16:32**
